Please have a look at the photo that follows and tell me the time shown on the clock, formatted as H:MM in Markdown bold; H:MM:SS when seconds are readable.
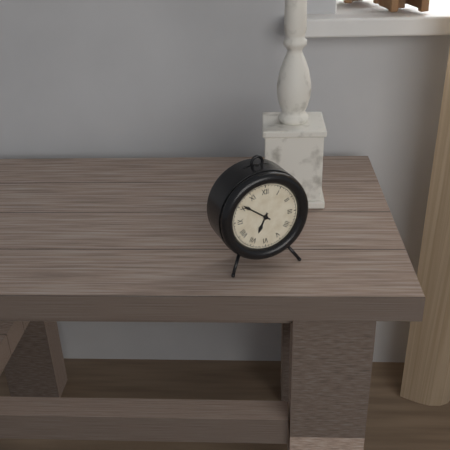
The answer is **6:51**
